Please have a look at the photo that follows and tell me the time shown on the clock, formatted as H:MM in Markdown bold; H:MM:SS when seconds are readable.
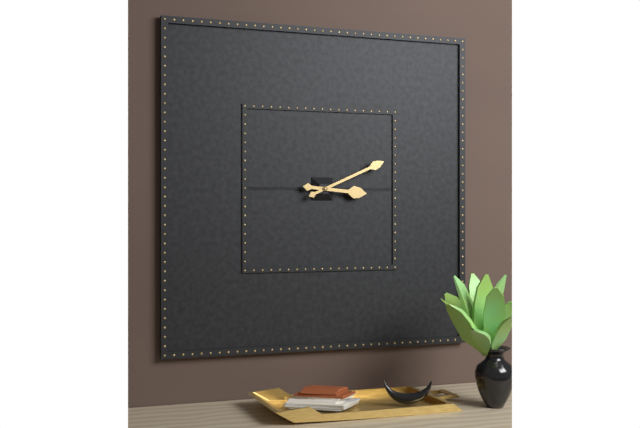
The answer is **3:11**
